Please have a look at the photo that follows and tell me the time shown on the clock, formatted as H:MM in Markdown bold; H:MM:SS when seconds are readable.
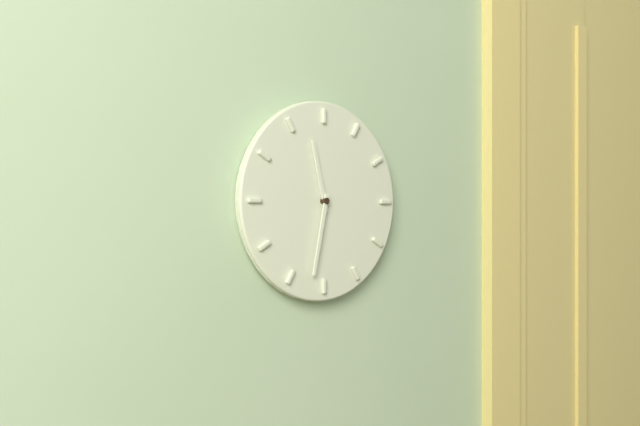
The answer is **11:32**
